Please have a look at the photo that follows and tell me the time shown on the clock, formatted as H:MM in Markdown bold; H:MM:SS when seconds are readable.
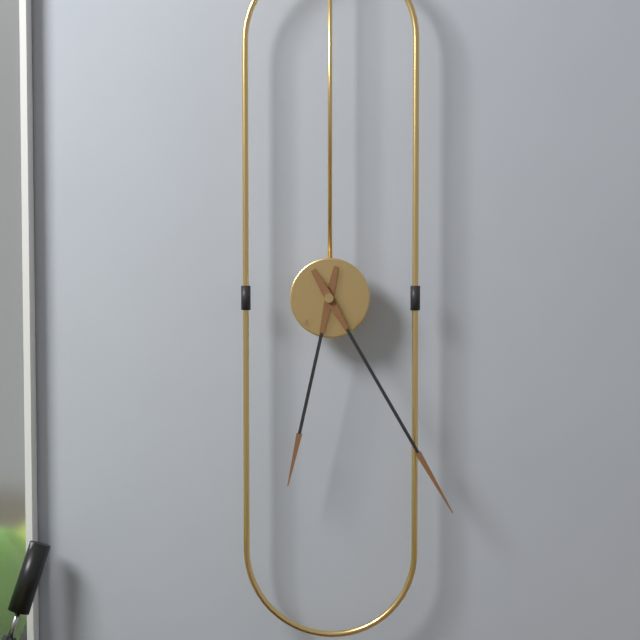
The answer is **6:25**
